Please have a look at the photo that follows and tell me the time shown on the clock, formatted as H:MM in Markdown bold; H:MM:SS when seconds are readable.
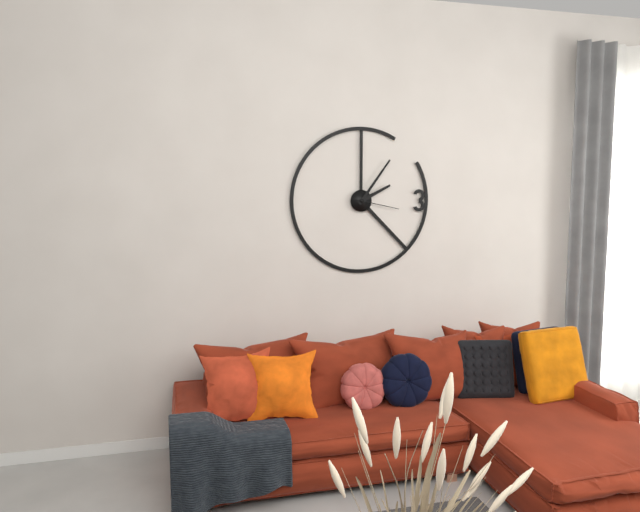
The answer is **2:06**
